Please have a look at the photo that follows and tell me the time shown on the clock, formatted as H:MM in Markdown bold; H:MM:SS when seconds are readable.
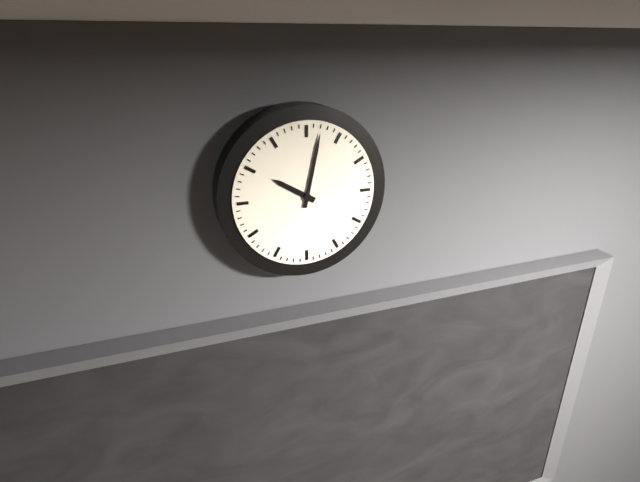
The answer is **10:02**
